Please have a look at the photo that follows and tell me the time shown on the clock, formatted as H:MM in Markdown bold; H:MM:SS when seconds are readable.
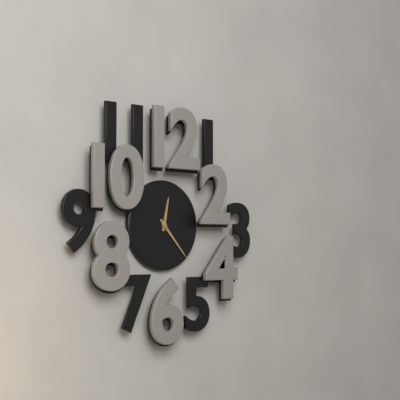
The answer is **12:23**
